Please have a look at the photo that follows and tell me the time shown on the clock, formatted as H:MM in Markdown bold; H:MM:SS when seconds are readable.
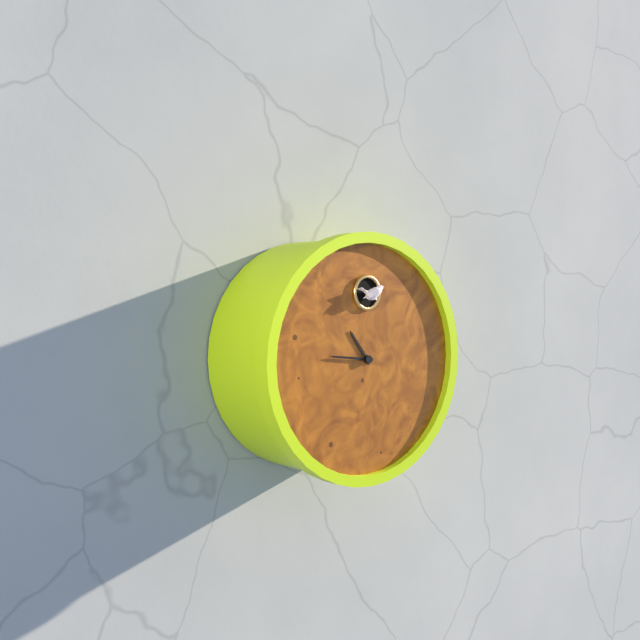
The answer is **10:46**
